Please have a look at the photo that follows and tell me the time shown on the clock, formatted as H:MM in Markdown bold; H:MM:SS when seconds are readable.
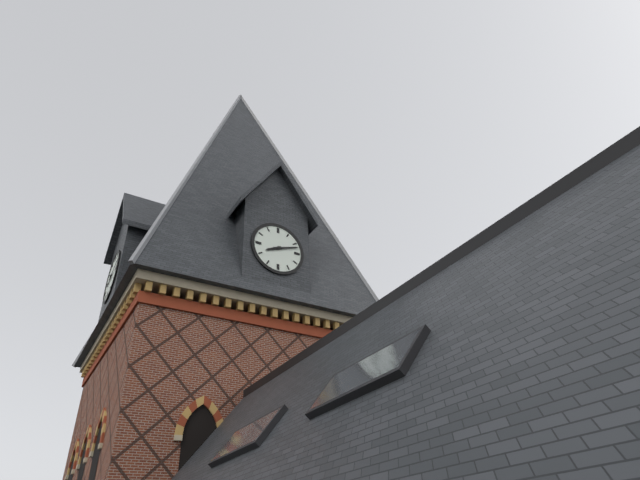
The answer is **8:12**
